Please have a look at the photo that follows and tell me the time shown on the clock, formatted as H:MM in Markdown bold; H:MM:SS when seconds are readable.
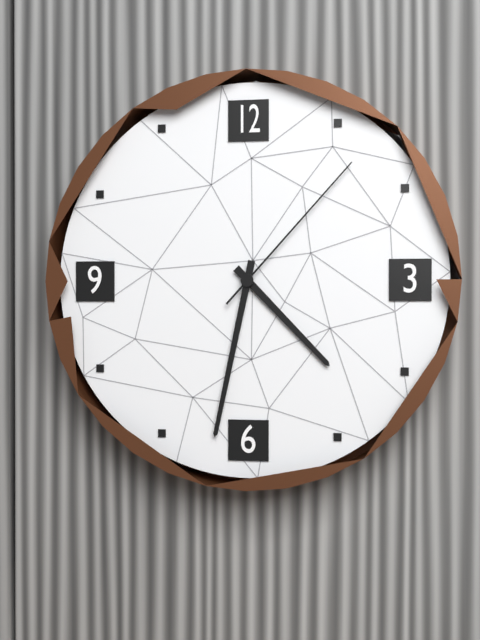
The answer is **4:32:07**
